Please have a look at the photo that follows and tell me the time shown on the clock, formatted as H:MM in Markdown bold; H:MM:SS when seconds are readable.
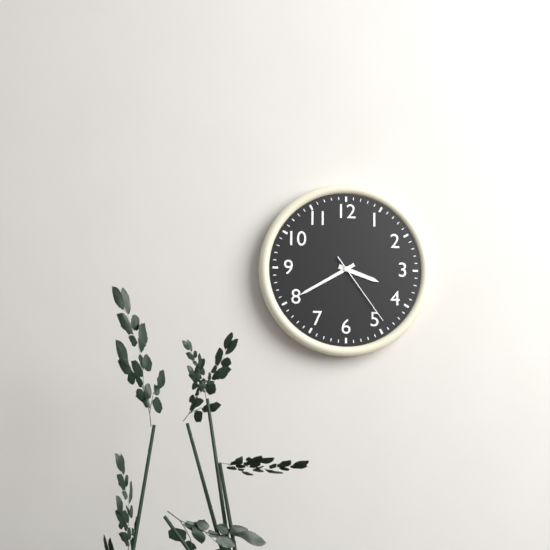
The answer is **3:40:24**
